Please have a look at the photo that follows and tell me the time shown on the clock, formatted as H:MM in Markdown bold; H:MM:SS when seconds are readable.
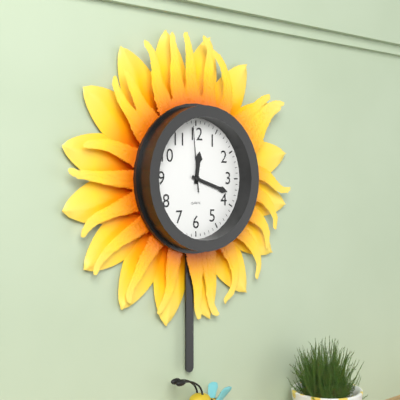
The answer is **12:18:59**
